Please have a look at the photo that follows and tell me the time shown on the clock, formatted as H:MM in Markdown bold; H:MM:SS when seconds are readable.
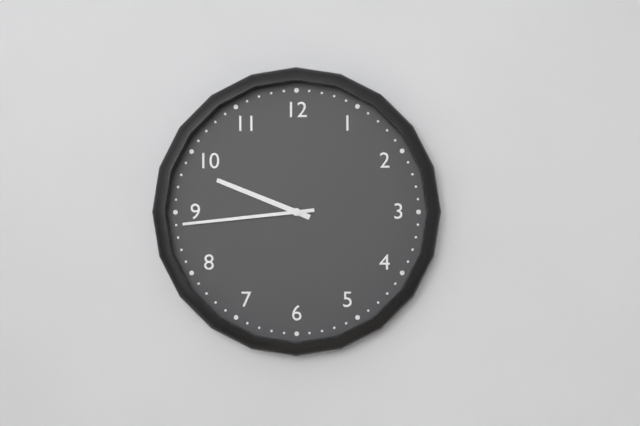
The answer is **9:44**
